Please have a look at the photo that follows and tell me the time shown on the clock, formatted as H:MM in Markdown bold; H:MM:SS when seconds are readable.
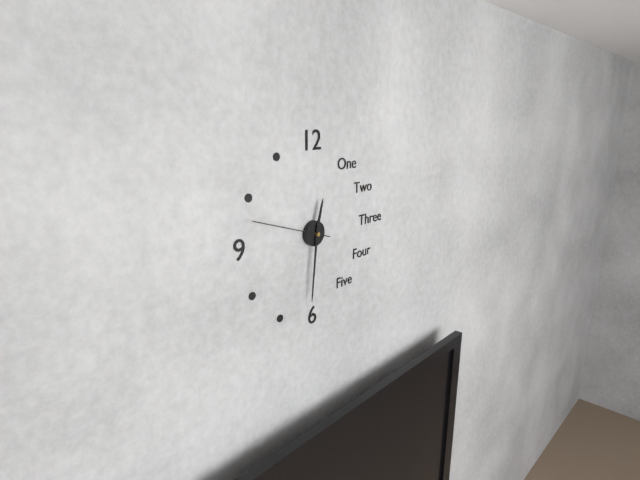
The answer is **12:31:48**
